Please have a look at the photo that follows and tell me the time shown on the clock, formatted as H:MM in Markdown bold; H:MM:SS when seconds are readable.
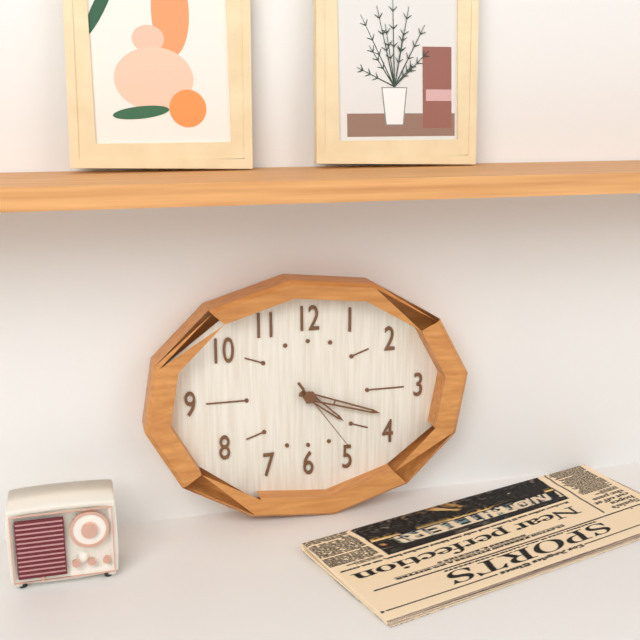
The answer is **4:18:24**
